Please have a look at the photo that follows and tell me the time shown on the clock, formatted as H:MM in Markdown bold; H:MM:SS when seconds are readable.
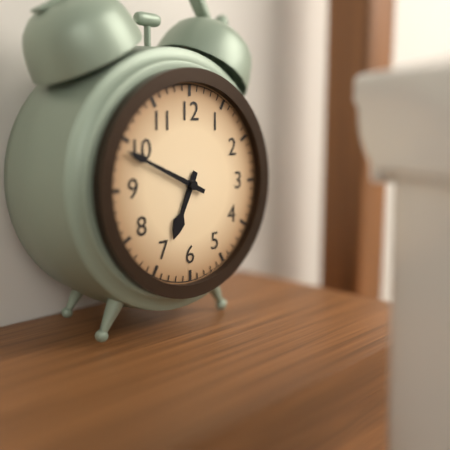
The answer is **6:49**
